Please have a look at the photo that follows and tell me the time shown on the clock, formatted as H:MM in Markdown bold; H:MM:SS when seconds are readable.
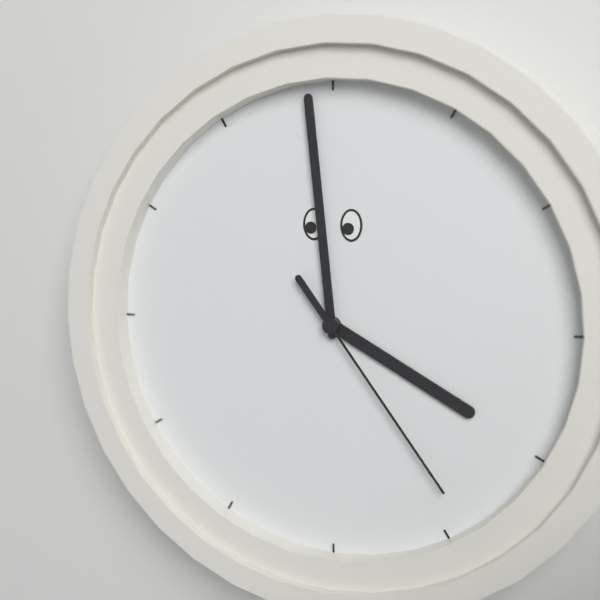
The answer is **3:59:24**
